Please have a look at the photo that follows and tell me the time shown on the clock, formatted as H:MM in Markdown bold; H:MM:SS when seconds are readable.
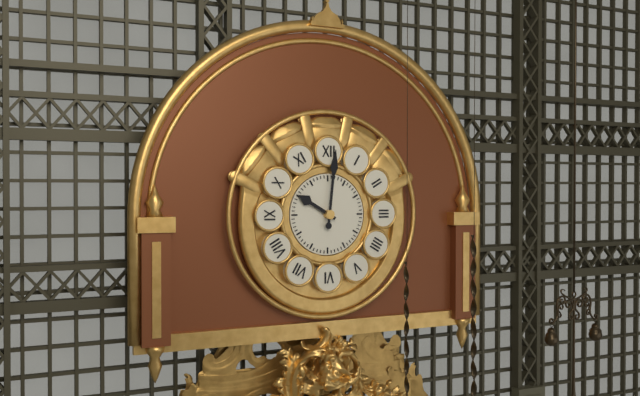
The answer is **10:01**
